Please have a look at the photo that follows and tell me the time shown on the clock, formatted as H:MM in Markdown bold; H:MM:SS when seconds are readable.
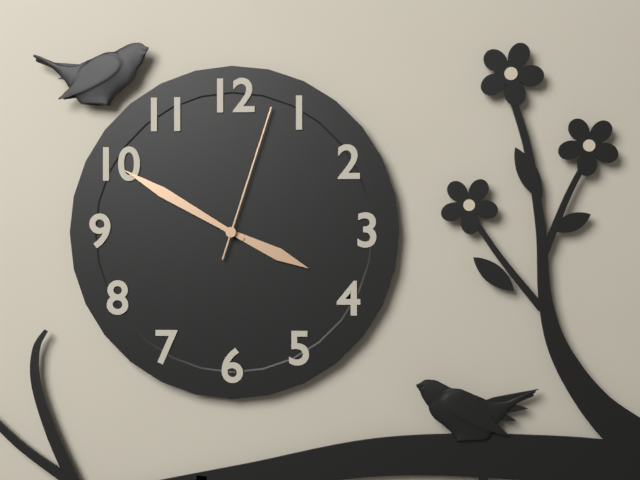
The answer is **3:50:03**
